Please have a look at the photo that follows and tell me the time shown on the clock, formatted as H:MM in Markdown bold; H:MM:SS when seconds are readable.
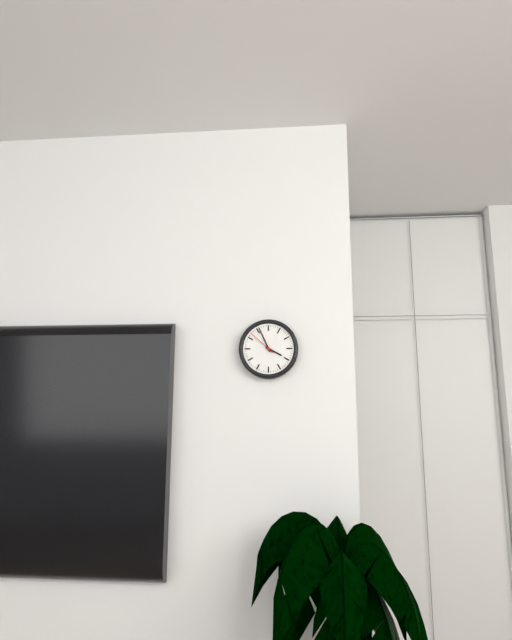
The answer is **3:56**
